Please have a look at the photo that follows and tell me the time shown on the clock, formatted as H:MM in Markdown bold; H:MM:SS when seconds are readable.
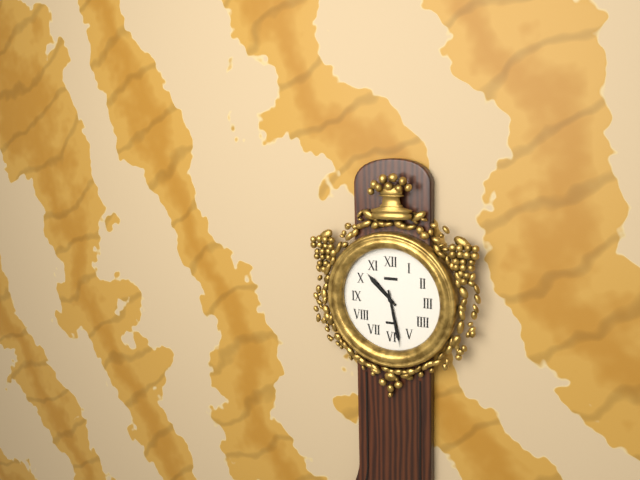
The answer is **10:28**
